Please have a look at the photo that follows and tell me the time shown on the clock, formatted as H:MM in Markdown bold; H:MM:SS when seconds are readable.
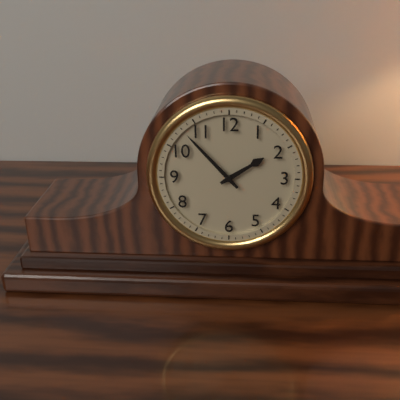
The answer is **1:53**
